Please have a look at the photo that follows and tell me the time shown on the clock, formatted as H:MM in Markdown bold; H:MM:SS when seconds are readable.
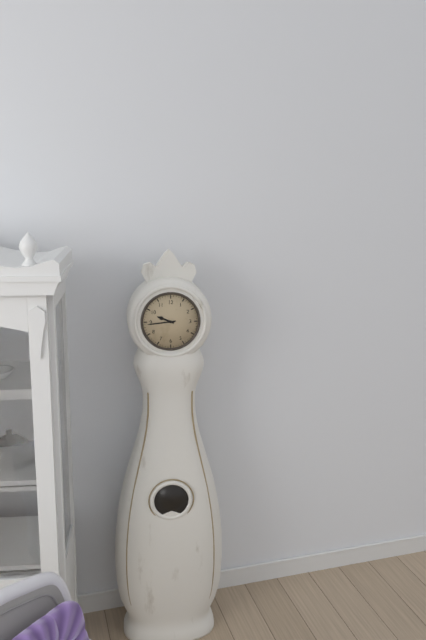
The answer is **9:44**
